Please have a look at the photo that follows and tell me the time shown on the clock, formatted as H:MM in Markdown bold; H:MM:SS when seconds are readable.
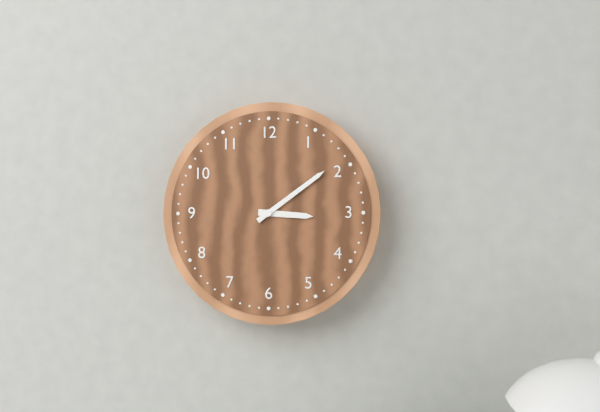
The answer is **3:09**
